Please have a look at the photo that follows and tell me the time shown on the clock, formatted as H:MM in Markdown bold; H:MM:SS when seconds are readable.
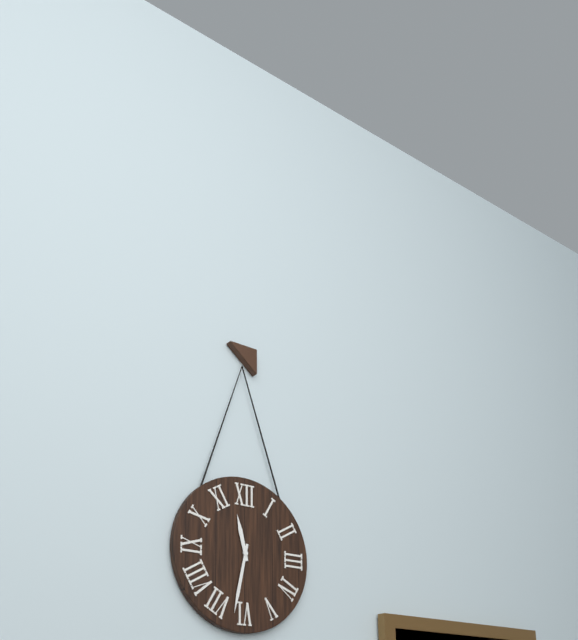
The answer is **11:32**
